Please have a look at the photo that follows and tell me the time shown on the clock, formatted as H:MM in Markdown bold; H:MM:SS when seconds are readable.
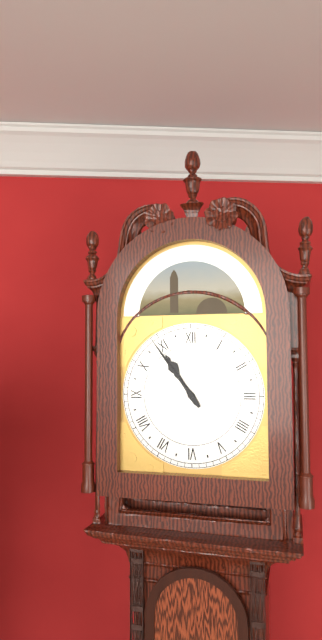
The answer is **10:54**
